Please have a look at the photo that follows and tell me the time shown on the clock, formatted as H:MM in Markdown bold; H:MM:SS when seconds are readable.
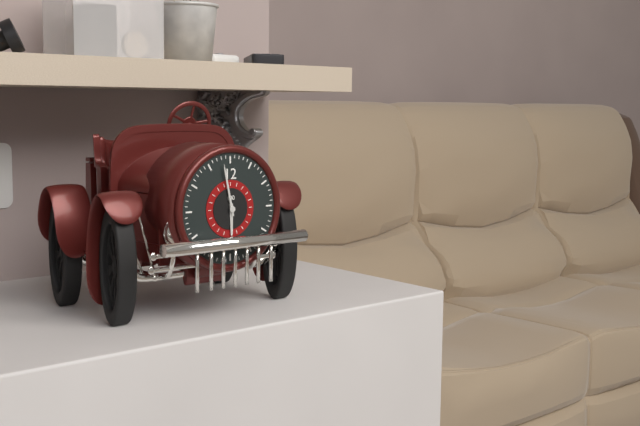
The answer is **5:58**
